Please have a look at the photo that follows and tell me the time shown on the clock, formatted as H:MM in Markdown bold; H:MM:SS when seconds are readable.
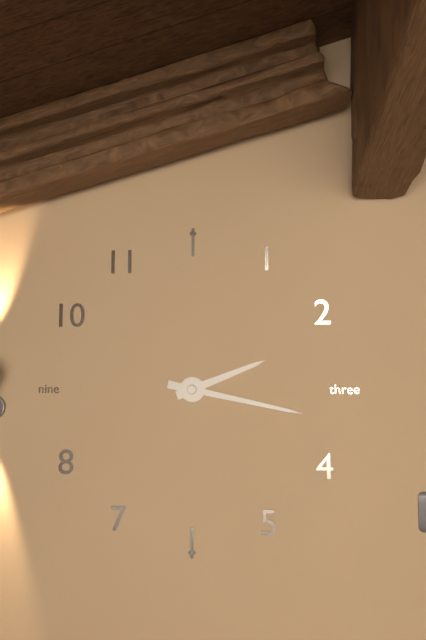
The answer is **2:17**
